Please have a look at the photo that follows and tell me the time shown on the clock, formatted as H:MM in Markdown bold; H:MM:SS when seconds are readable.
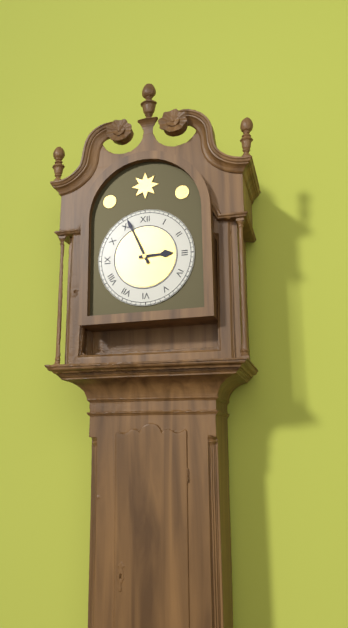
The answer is **2:56**
